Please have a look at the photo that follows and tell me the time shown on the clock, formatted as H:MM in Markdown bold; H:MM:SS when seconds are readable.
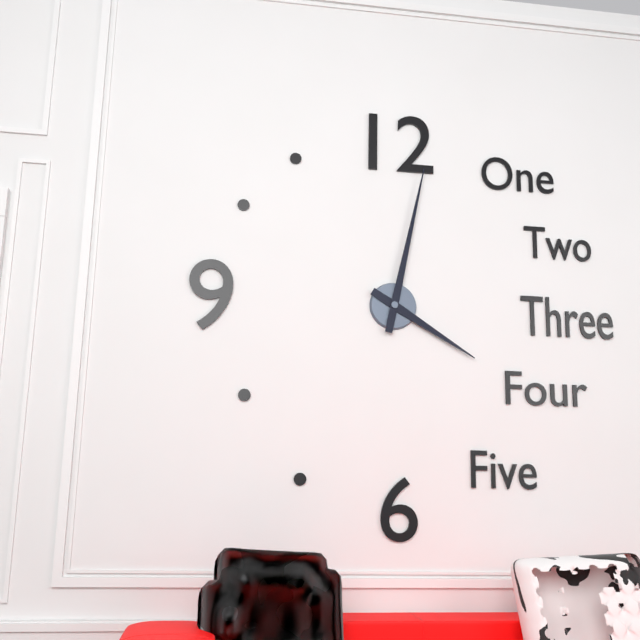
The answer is **4:02**
